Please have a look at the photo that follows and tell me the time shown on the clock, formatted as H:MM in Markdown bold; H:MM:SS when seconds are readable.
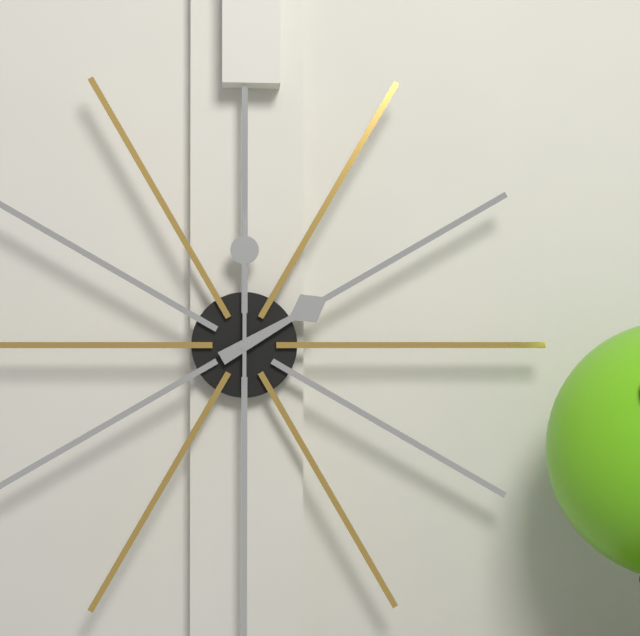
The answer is **2:00**
